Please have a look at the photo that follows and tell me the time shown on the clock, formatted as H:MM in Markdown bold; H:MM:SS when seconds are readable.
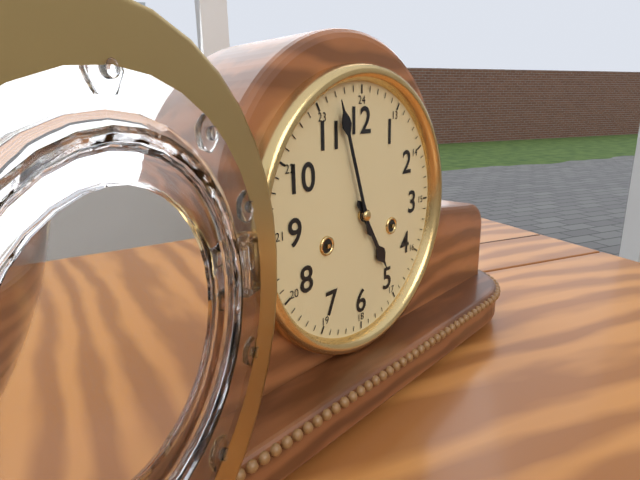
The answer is **4:57**
